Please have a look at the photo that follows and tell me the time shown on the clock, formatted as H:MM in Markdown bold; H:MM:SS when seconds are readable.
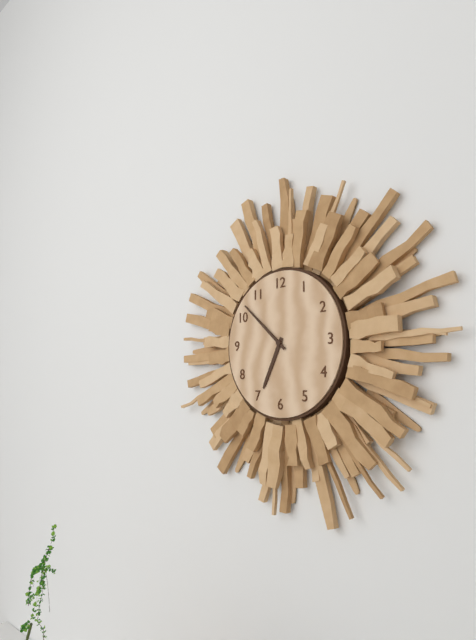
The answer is **6:52**
